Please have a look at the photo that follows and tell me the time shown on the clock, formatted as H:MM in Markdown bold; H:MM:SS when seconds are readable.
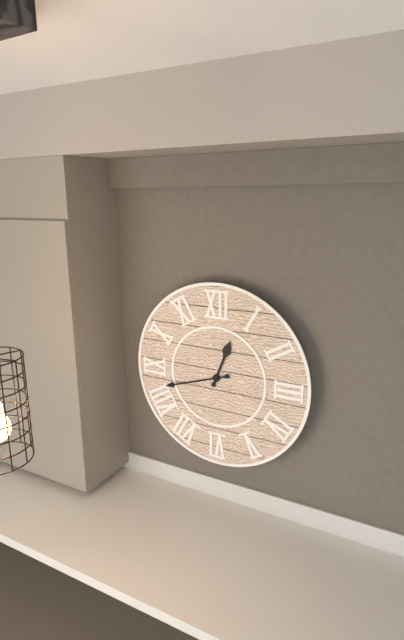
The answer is **12:42**
